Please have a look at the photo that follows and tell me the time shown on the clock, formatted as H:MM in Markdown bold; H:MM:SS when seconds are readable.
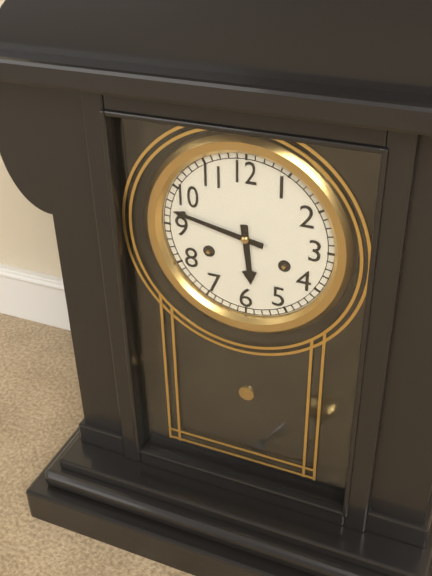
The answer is **5:47**
